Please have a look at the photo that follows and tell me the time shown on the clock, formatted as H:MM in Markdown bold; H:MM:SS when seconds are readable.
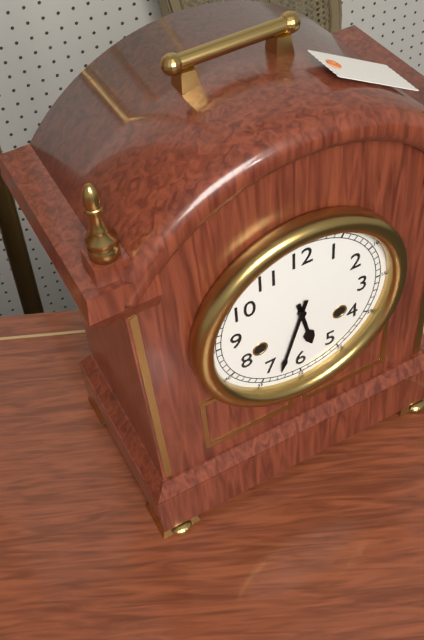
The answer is **5:33**
